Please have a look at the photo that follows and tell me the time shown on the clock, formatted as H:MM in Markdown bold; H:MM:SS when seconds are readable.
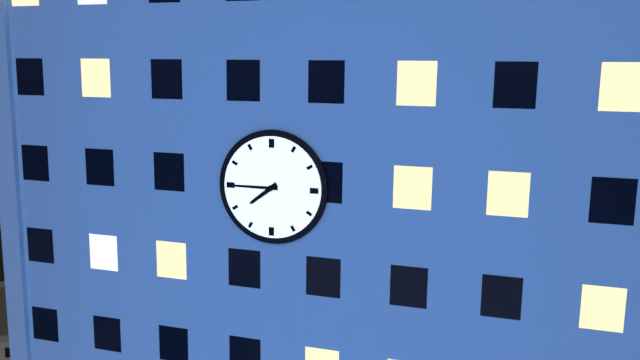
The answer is **7:45**
